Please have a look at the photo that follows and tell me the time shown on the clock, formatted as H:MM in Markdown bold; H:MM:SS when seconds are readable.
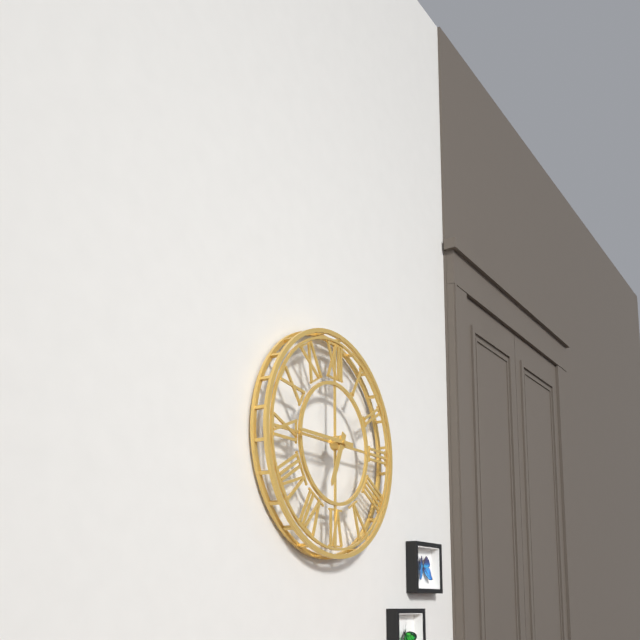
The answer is **6:45**
